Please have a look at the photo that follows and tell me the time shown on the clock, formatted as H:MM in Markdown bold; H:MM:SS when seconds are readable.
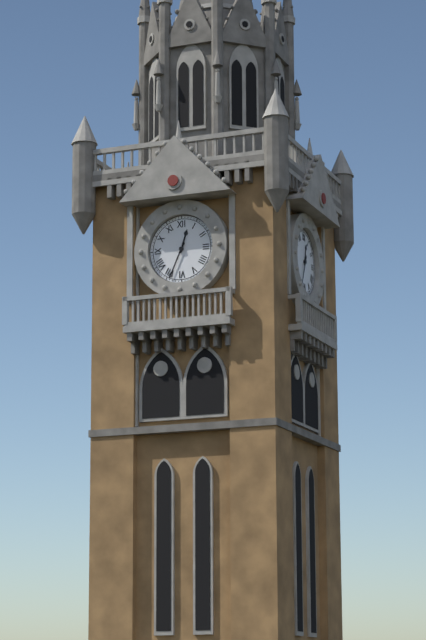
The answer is **12:34**
